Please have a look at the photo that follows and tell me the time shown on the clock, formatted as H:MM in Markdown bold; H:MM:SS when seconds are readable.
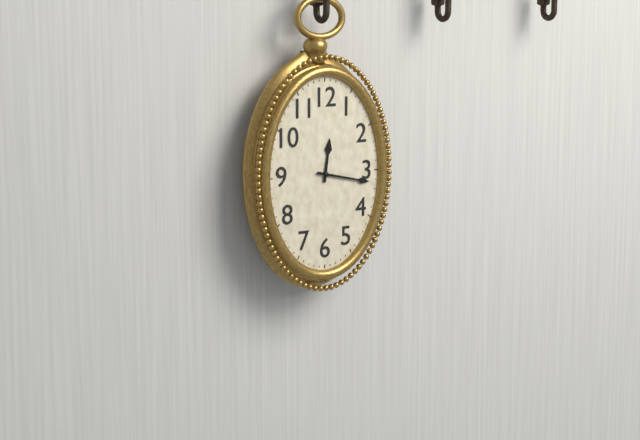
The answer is **12:17**
